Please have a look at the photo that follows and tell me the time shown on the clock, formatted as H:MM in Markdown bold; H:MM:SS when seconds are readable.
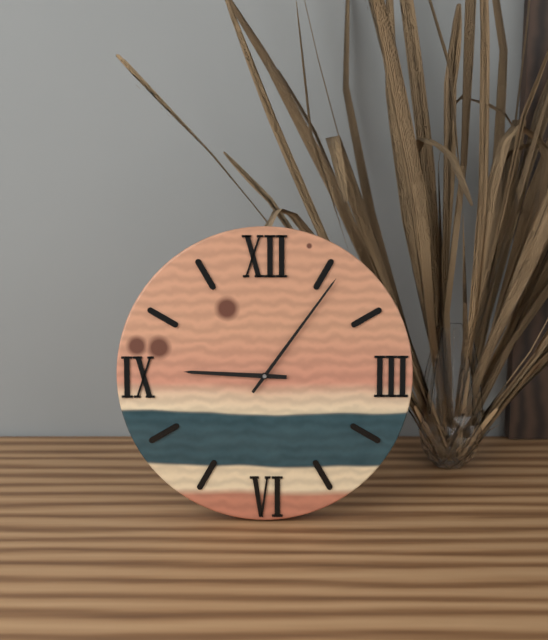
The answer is **9:06**
